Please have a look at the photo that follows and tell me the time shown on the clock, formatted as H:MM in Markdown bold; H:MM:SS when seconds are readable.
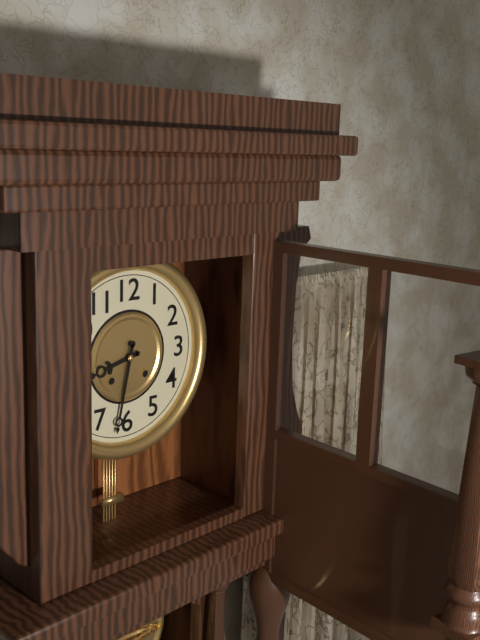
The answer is **8:32**
